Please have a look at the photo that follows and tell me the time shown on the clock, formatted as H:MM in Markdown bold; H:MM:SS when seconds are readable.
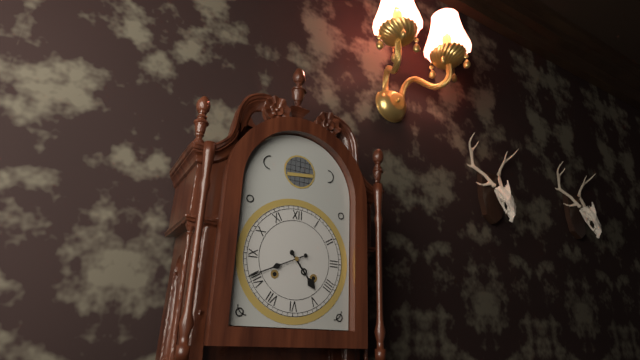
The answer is **4:41**
